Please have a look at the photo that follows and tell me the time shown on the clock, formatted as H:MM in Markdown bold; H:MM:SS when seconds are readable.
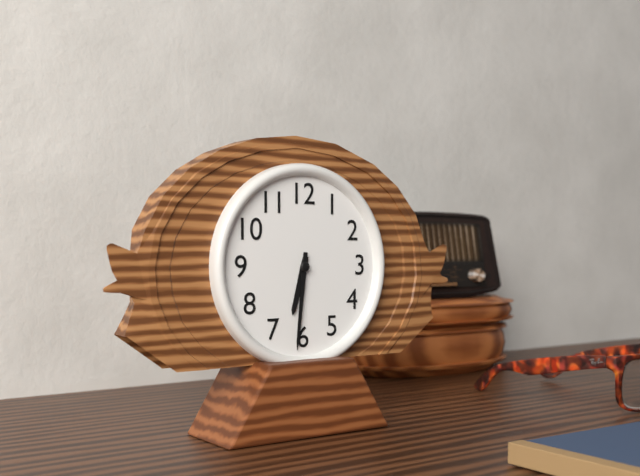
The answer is **6:31**
